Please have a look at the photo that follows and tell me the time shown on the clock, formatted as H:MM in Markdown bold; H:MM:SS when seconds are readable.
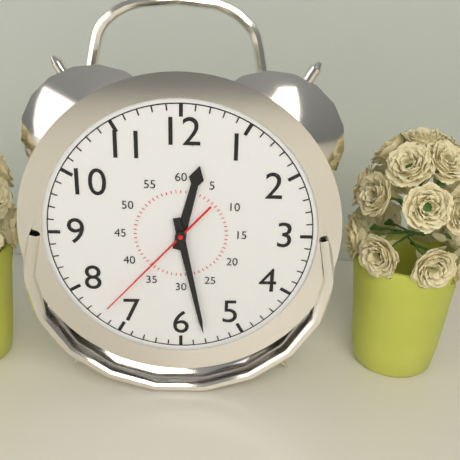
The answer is **12:28:37**
